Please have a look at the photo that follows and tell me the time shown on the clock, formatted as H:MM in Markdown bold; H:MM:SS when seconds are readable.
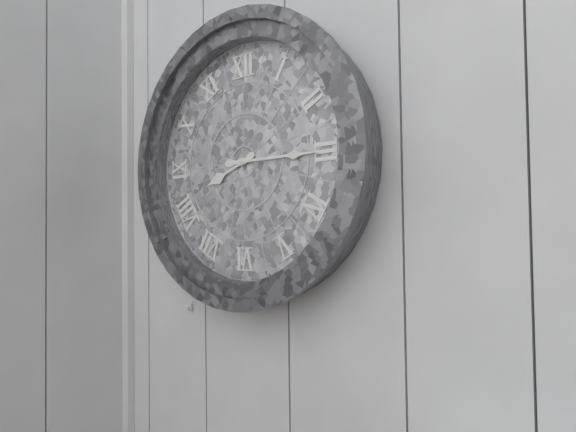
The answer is **8:15**
